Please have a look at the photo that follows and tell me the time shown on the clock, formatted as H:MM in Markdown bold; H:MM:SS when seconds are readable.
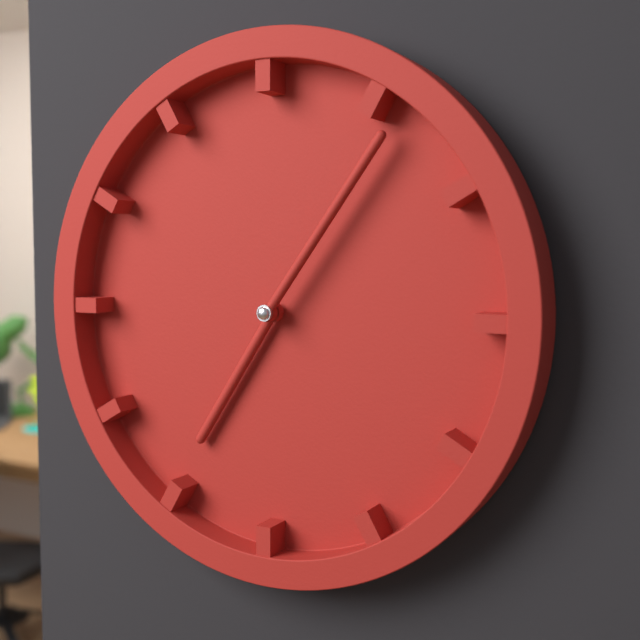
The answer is **7:06**
